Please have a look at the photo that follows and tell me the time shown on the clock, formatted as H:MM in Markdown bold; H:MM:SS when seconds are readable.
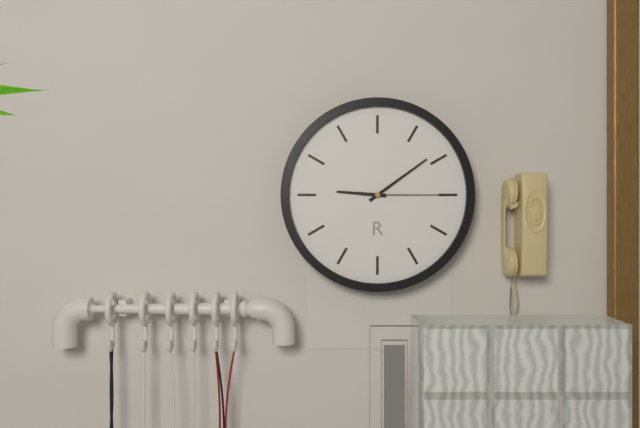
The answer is **9:09:15**
